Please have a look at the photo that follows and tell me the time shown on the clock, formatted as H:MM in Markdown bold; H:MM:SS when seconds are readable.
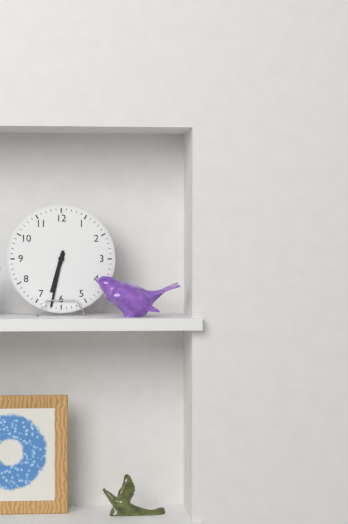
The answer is **6:32**
